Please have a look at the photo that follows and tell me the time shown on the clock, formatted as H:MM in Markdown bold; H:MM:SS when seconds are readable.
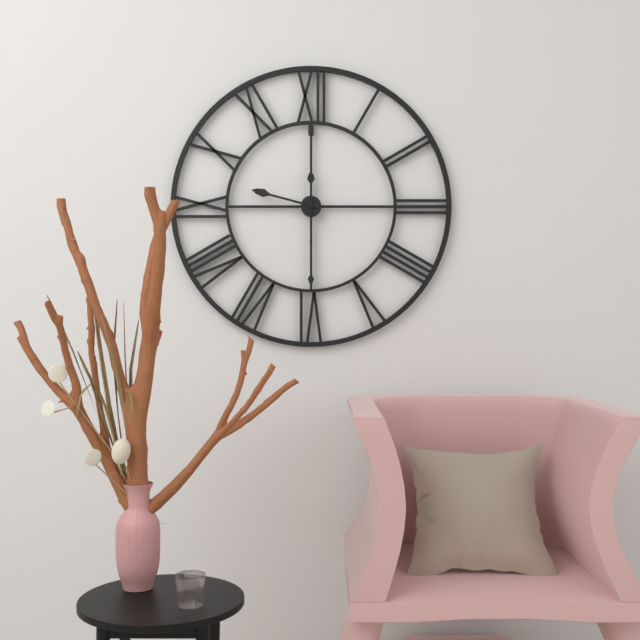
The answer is **9:30**
